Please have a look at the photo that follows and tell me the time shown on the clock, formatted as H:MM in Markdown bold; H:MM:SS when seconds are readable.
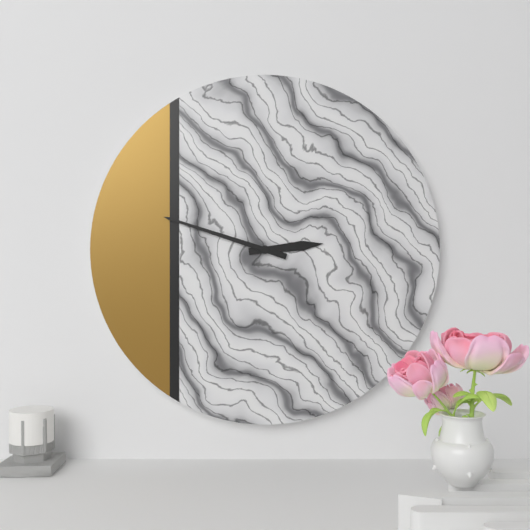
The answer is **2:48**
